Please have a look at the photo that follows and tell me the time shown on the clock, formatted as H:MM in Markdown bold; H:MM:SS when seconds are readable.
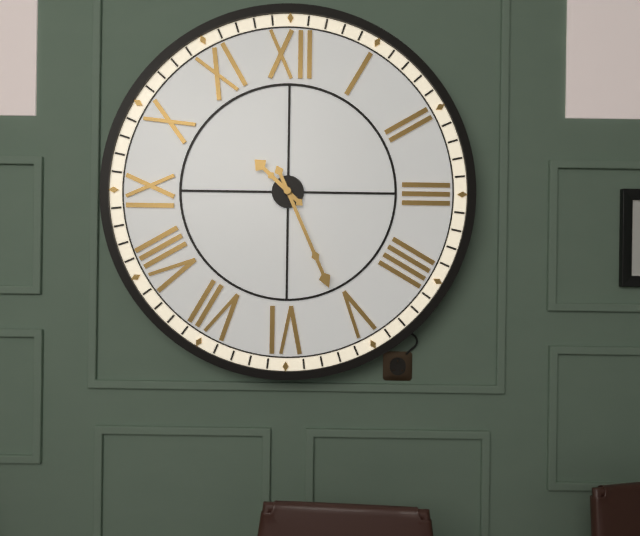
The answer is **10:26**
